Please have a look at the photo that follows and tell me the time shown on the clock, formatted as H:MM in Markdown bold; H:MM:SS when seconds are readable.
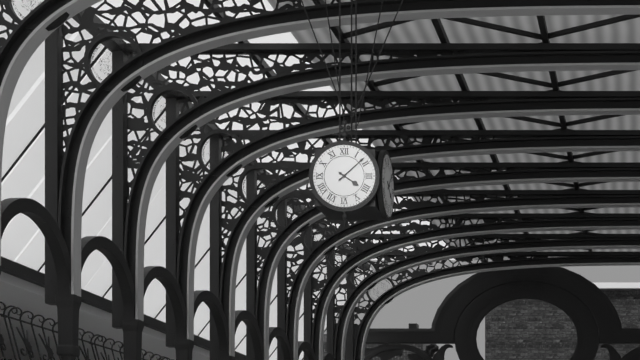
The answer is **4:08**
